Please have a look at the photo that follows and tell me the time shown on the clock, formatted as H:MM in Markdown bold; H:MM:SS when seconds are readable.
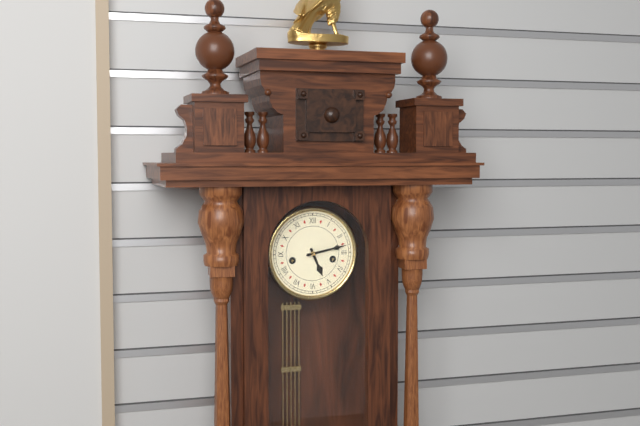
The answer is **5:13**
